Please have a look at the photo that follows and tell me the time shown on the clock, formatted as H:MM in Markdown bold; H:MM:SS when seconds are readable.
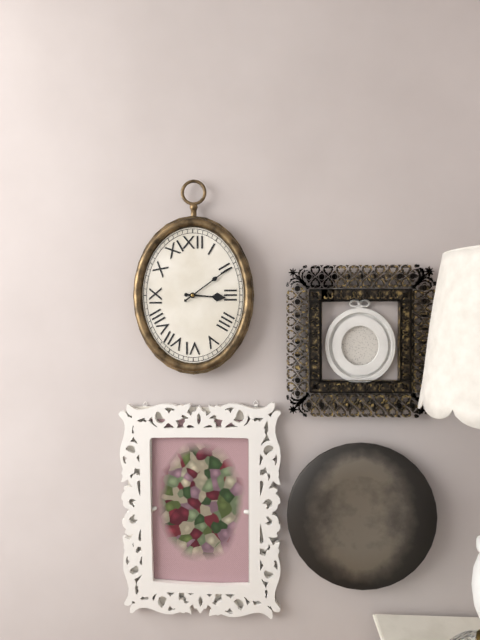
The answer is **3:09**
